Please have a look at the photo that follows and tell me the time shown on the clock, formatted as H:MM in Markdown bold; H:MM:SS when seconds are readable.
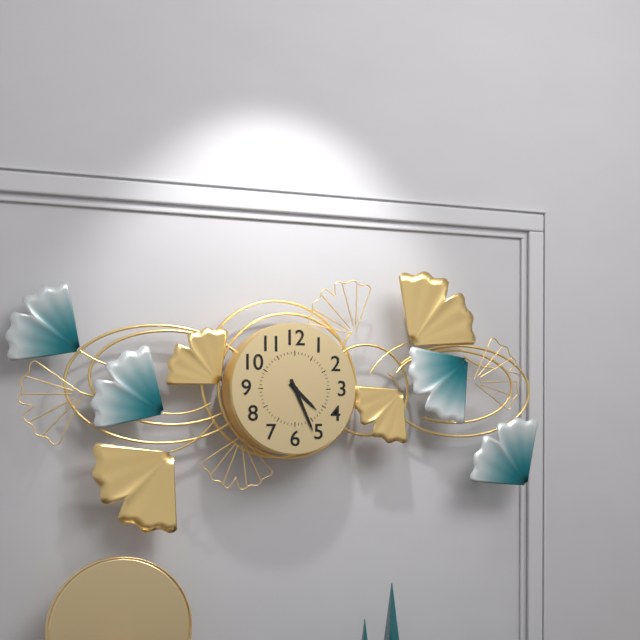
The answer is **4:26**
